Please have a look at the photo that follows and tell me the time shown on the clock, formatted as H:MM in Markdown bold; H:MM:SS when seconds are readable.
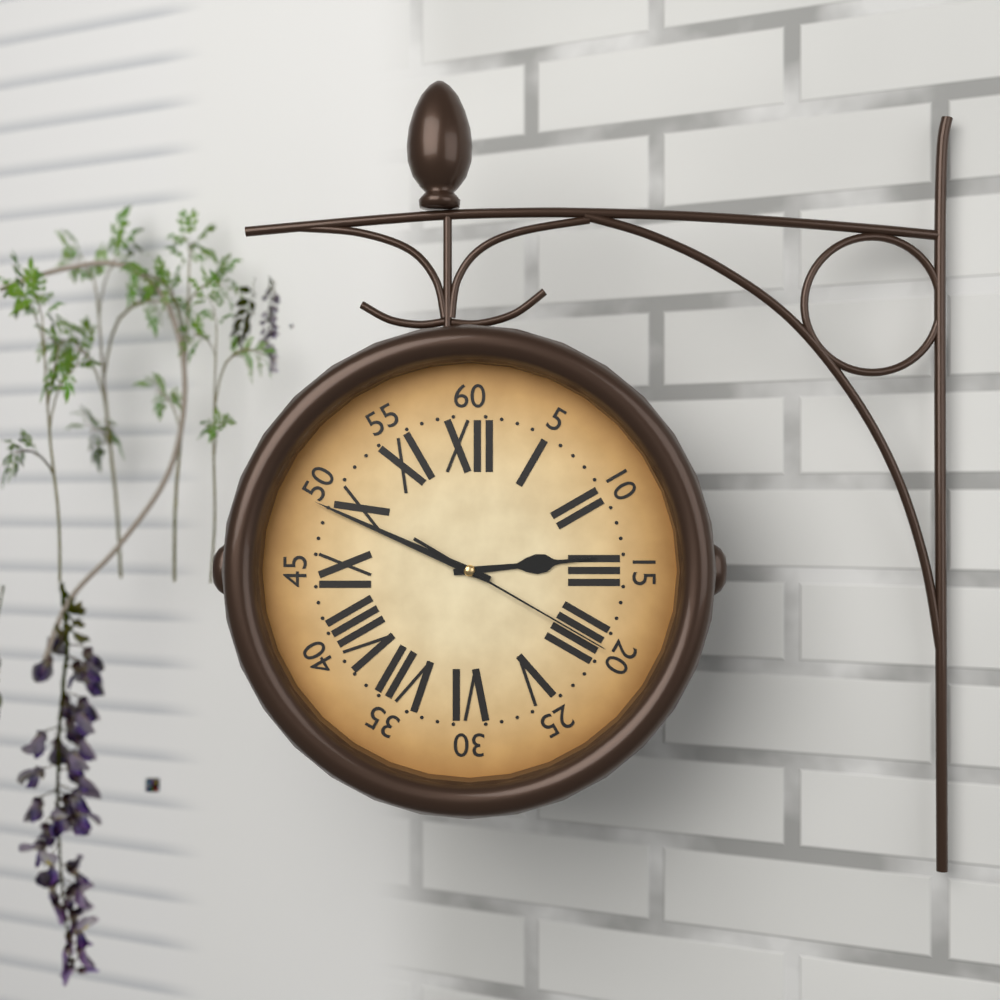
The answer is **2:49:20**
